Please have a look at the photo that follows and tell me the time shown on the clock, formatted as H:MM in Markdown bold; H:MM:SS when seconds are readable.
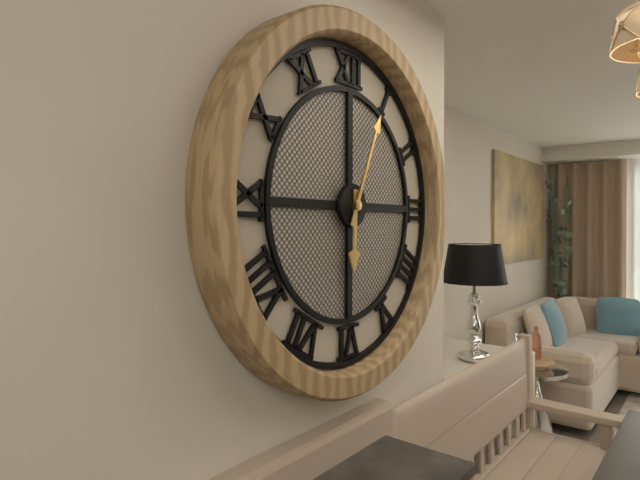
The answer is **6:04**
